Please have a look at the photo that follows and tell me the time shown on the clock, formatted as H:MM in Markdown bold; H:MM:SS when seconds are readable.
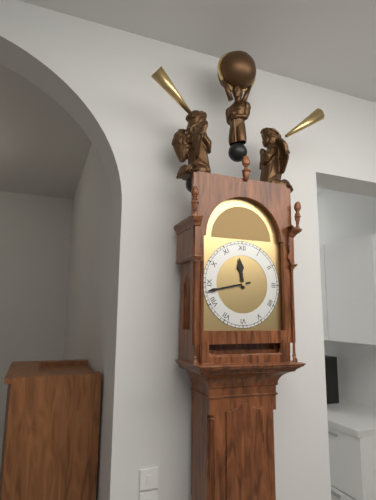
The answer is **11:43**
